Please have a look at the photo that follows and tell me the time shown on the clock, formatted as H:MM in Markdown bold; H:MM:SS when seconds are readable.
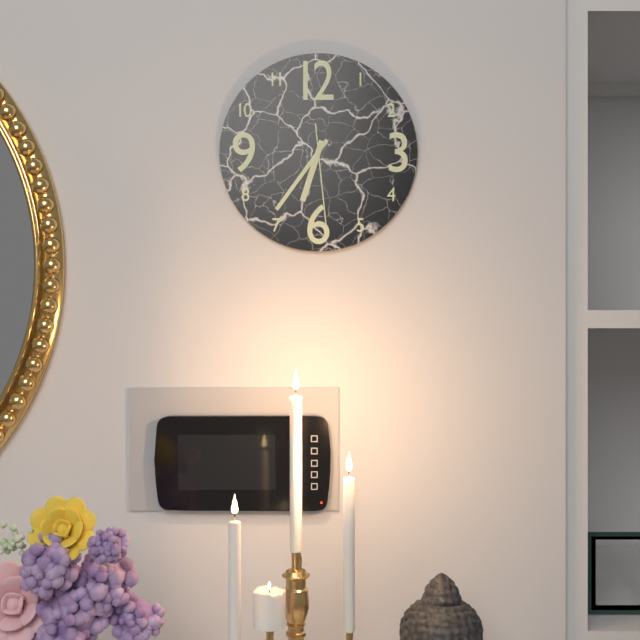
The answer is **6:36:29**
